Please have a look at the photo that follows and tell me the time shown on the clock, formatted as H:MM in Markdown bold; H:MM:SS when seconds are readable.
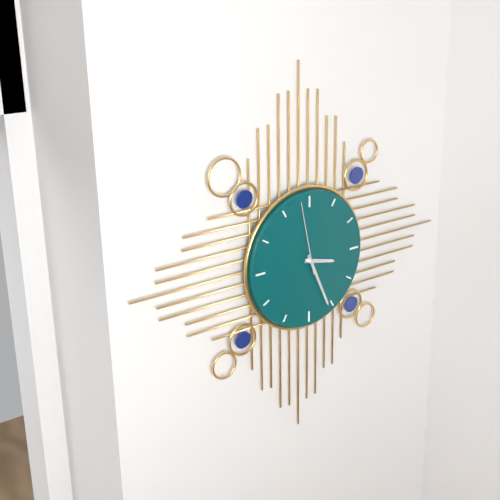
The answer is **3:26:58**
